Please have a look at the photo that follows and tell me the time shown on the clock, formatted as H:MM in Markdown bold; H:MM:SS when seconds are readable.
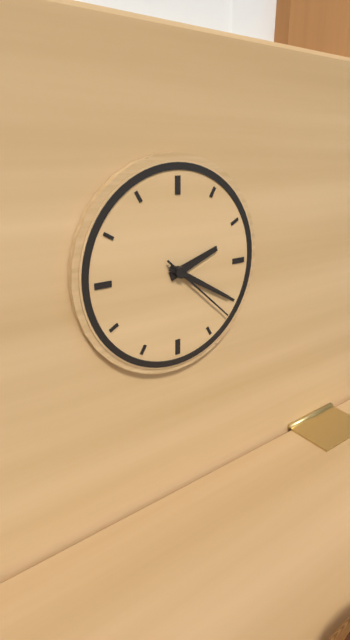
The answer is **2:20:22**
